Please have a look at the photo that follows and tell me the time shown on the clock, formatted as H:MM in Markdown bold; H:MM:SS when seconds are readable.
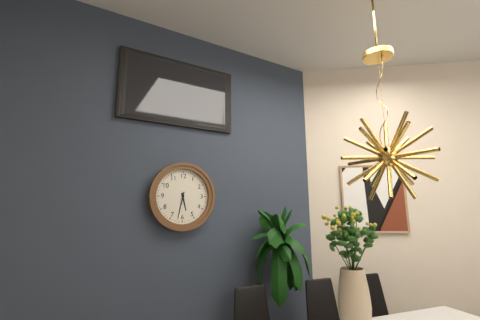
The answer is **5:32**
